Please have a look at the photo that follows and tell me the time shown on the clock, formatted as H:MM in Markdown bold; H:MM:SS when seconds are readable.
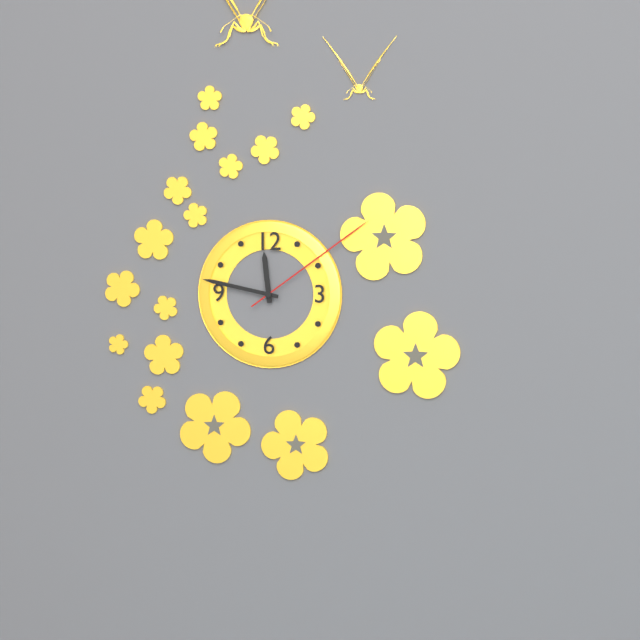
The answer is **11:47:09**
